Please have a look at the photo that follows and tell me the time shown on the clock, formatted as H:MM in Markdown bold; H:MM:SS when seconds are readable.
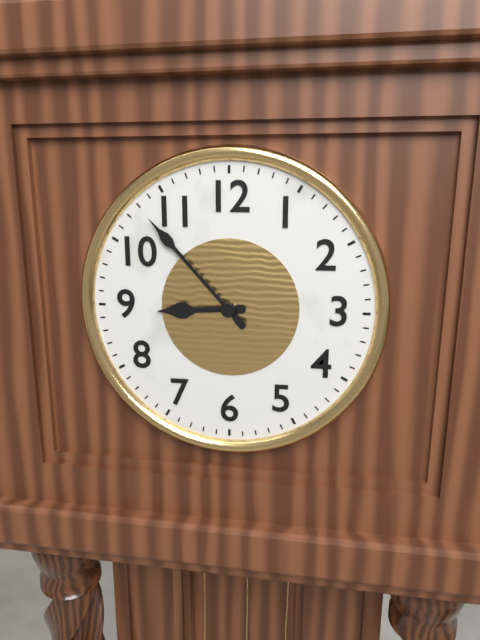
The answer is **8:53**
